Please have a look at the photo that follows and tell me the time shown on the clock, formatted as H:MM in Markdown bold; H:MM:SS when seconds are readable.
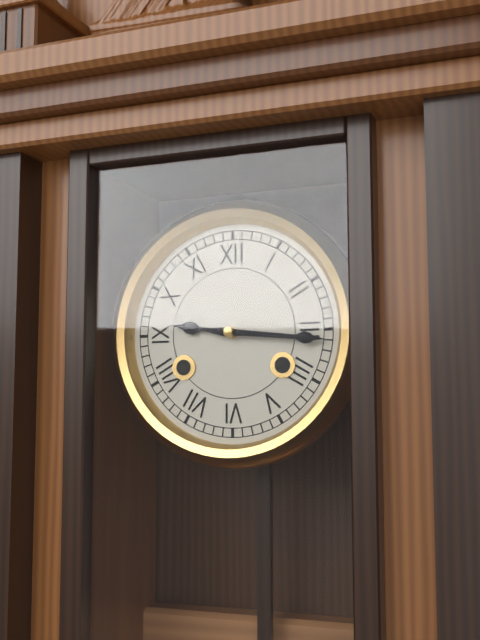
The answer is **9:16**
